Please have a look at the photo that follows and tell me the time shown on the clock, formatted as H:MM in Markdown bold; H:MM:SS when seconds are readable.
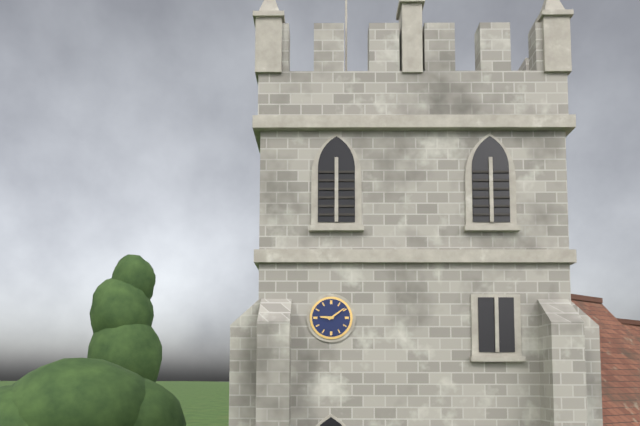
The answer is **9:09**
